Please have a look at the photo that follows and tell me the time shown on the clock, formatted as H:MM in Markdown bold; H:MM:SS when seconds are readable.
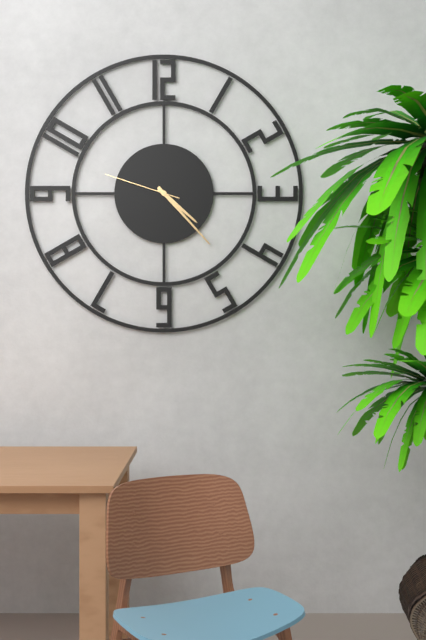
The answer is **4:23:48**
